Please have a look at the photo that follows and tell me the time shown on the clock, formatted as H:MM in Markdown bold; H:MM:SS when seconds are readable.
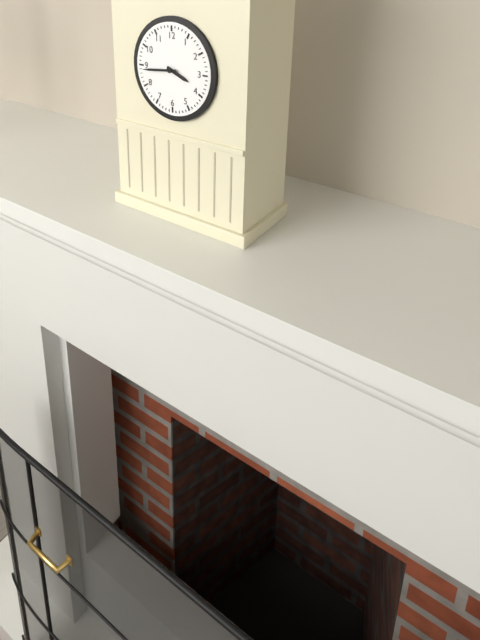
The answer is **3:44**
